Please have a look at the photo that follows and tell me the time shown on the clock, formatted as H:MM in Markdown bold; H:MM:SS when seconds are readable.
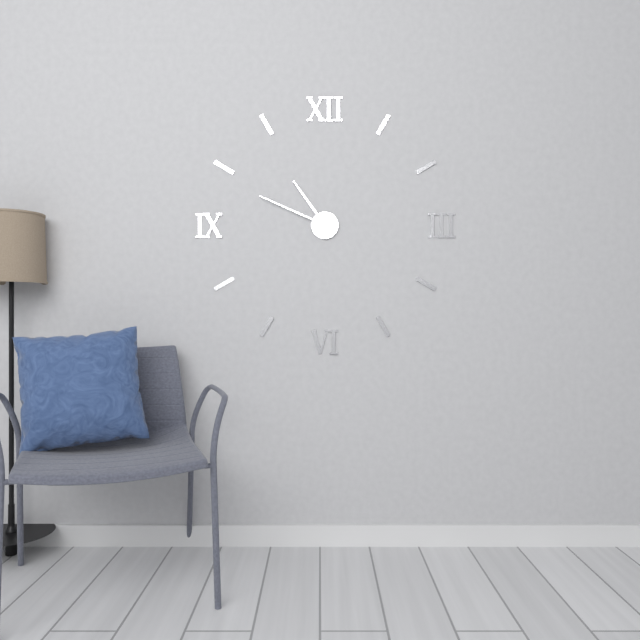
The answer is **10:49**
